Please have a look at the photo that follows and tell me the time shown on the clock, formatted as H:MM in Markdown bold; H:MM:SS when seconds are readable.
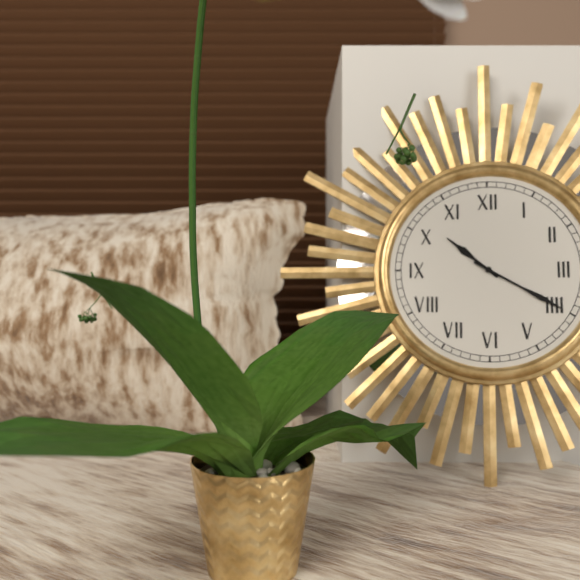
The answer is **10:20**
